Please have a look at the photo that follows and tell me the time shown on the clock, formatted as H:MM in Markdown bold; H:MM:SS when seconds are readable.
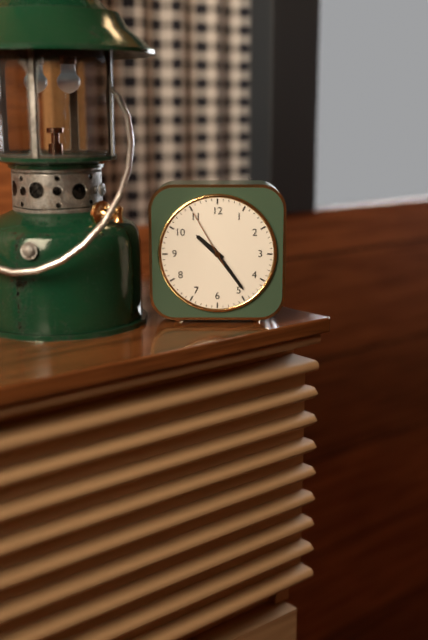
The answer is **10:24:55**
